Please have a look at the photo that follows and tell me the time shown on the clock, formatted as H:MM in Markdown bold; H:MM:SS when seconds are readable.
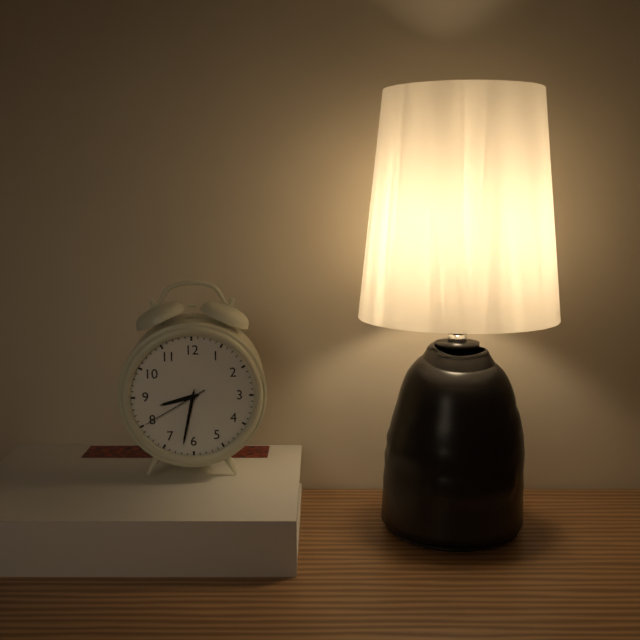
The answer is **8:32:40**
